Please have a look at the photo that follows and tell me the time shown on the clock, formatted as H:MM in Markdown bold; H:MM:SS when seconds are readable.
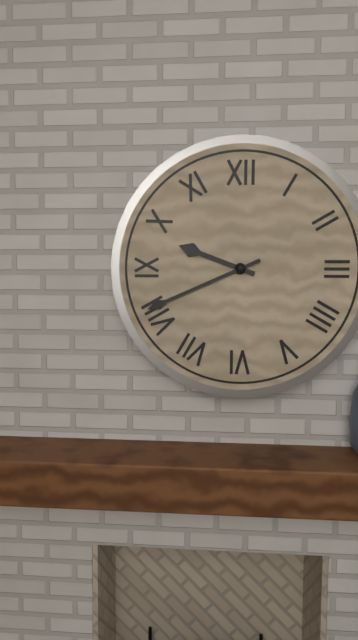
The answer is **9:41**
